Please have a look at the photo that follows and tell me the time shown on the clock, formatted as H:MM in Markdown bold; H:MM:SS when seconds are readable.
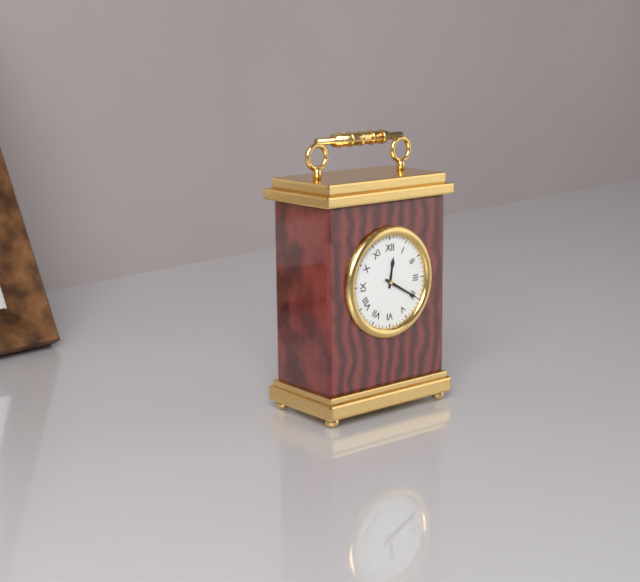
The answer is **12:20**
